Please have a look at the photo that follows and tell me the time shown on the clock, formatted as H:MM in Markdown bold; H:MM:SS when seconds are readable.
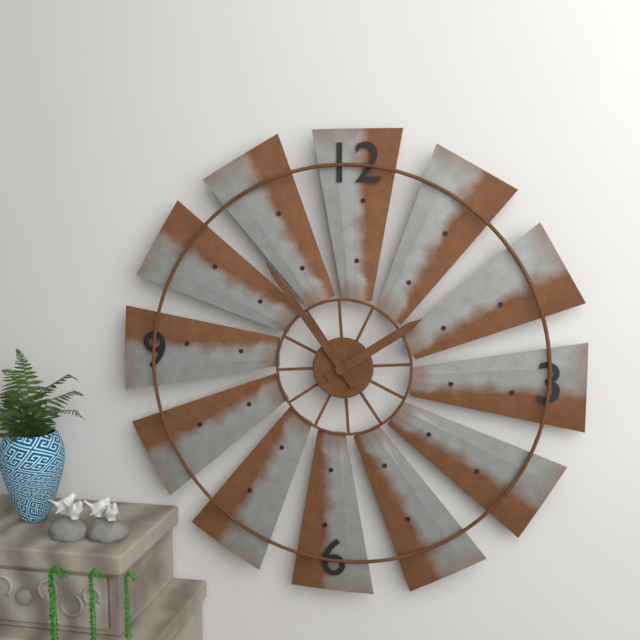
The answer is **1:54**
